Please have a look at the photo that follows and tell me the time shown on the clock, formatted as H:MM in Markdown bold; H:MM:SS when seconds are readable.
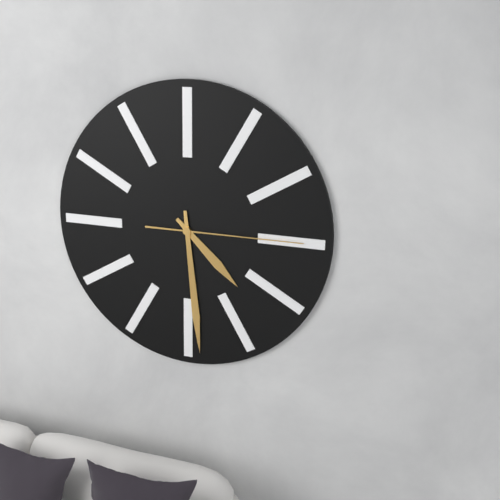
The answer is **4:29:15**
